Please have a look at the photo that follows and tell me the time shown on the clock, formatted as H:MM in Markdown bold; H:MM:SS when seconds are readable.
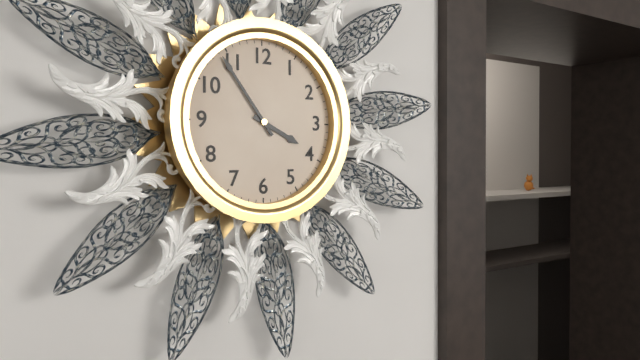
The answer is **3:54**
